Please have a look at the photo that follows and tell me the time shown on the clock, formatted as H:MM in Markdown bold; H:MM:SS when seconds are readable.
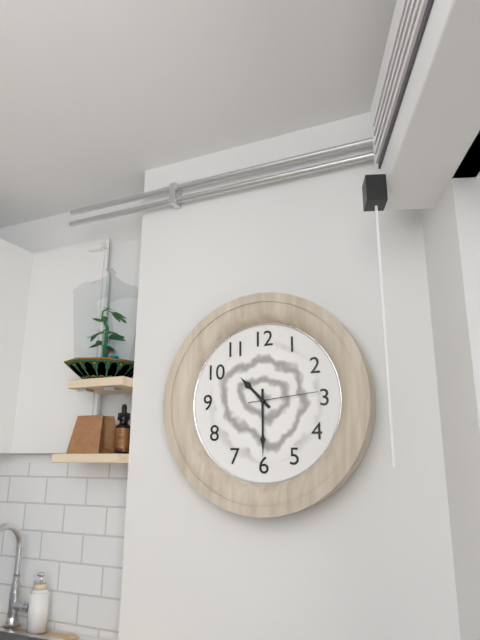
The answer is **10:30:14**
